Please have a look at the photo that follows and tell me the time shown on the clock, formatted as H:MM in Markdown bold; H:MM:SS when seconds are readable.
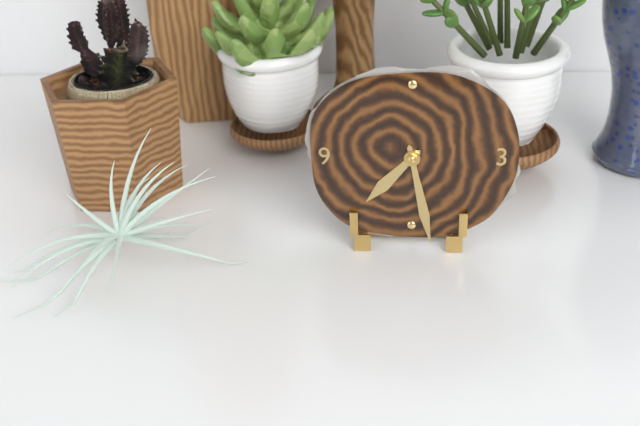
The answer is **7:28**
